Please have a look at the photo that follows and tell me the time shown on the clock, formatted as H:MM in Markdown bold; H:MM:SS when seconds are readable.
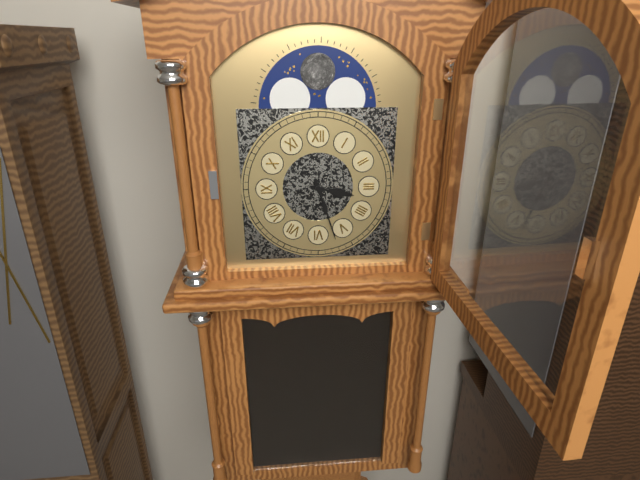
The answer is **3:27**
